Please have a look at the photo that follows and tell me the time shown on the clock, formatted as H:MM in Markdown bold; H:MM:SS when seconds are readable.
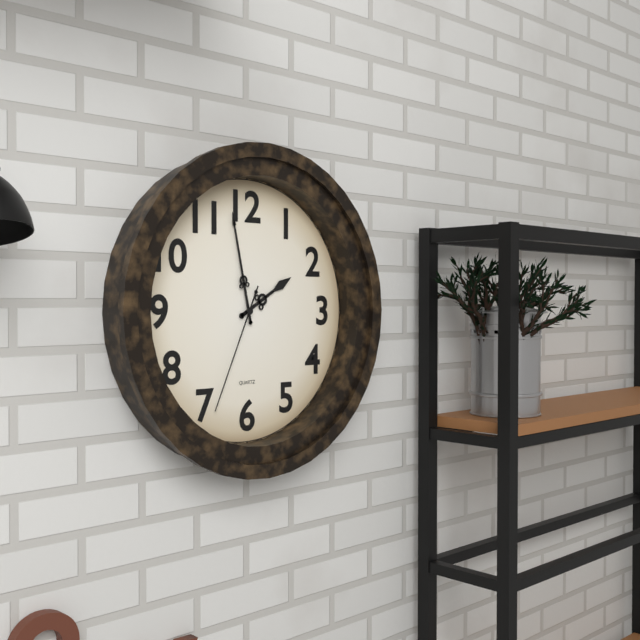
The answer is **1:58:34**
